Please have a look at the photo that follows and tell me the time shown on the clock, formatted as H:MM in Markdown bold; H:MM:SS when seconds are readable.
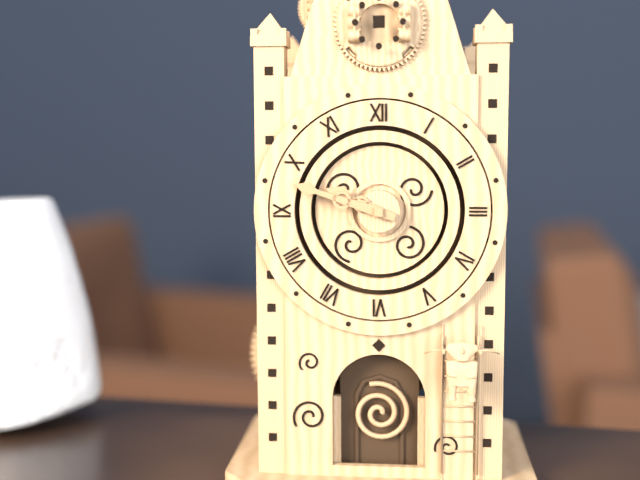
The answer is **9:48**
